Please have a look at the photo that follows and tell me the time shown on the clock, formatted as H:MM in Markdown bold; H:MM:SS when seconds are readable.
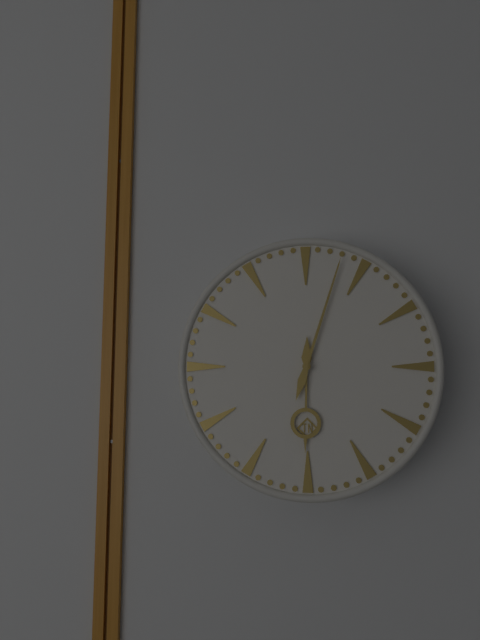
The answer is **6:03**
